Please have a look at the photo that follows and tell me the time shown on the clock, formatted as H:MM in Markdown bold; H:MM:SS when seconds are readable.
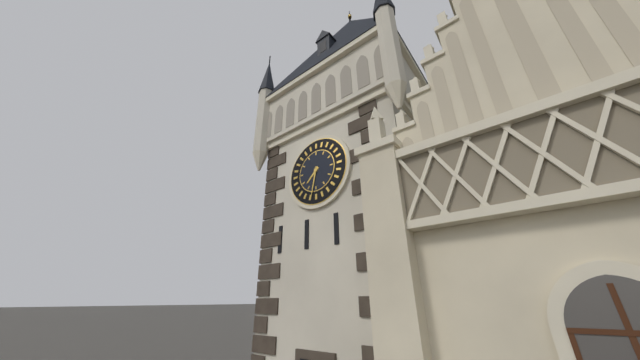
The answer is **7:32**
